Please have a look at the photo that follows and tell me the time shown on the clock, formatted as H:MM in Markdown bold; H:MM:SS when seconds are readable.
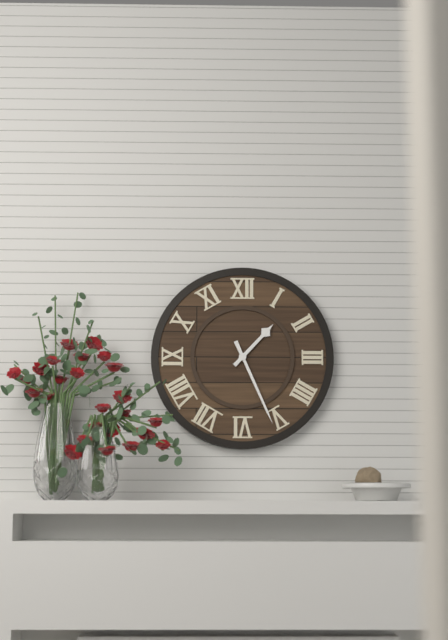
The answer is **1:26**
